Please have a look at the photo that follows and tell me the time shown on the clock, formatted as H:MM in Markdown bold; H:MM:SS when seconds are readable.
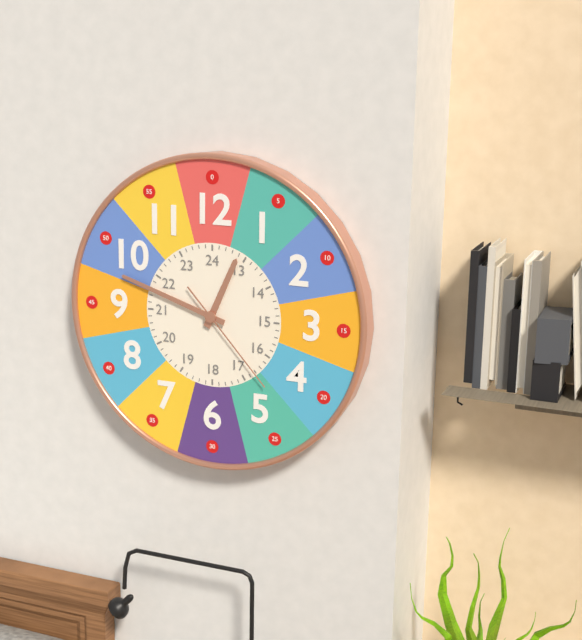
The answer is **12:48:23**
